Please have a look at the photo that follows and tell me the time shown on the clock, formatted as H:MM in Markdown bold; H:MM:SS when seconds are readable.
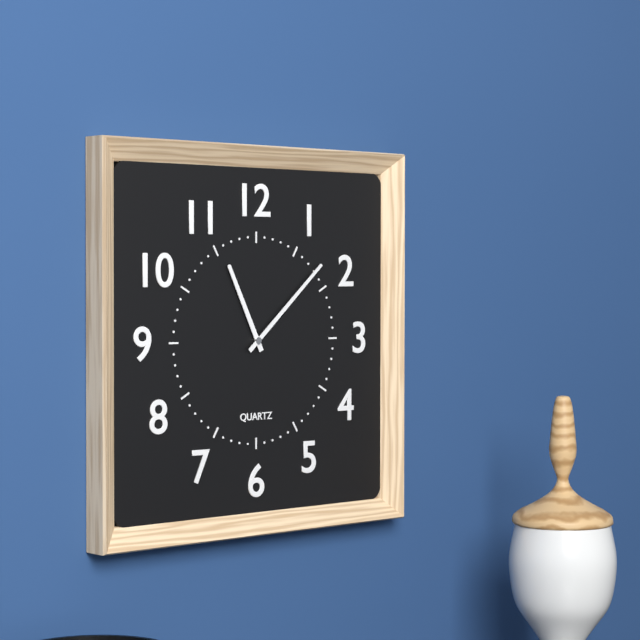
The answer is **11:08**
